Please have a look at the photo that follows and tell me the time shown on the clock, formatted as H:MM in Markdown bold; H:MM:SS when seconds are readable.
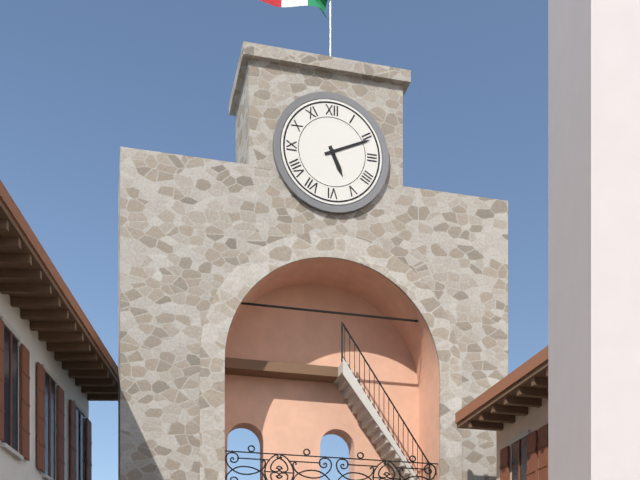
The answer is **5:11**
